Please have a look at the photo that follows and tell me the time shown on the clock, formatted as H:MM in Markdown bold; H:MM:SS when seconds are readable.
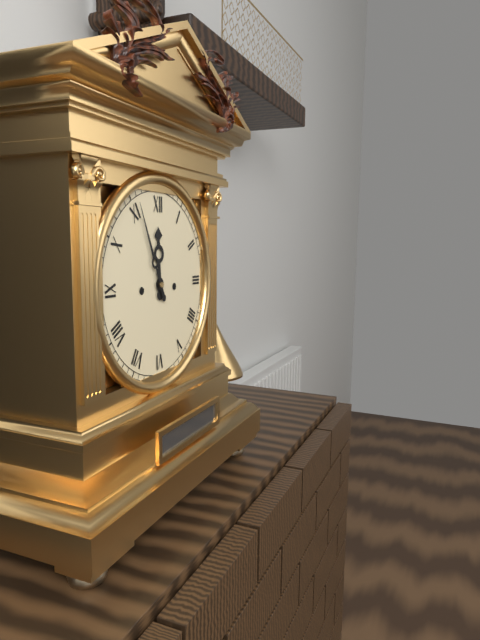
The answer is **11:56**
